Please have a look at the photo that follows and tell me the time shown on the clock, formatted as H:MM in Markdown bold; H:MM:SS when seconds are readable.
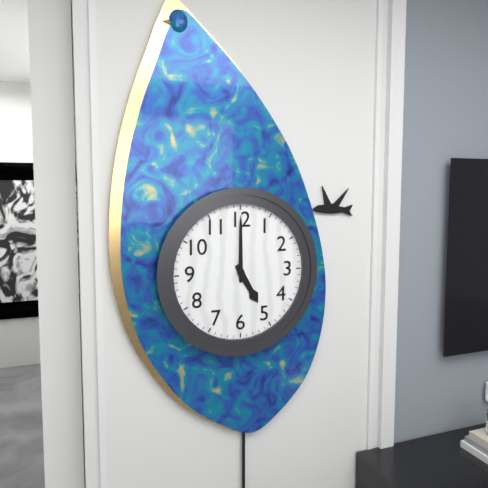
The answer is **5:00**
